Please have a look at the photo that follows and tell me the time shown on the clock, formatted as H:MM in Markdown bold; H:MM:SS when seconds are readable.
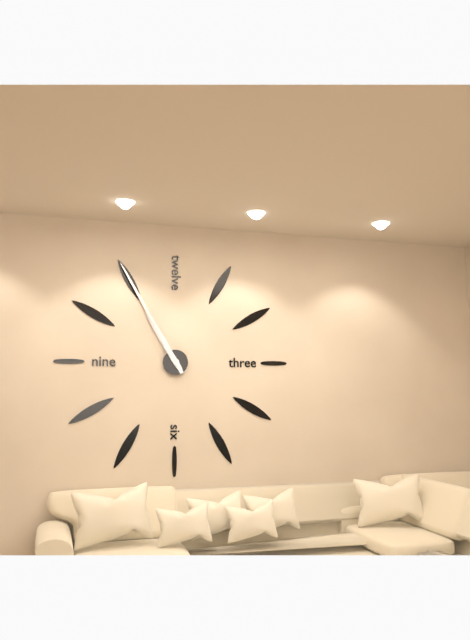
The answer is **10:55**
